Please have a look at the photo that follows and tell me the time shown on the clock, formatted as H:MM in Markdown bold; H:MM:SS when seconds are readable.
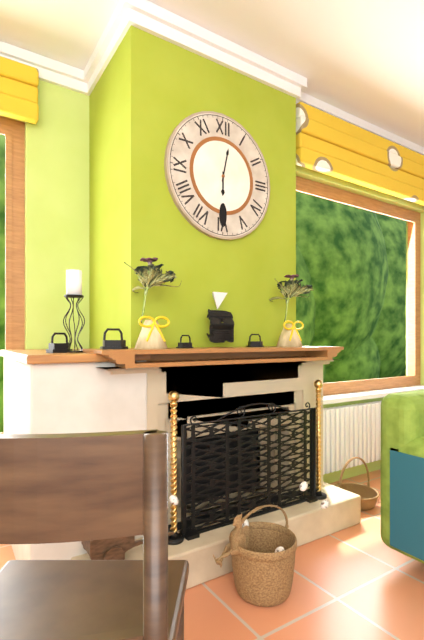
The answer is **6:02**
